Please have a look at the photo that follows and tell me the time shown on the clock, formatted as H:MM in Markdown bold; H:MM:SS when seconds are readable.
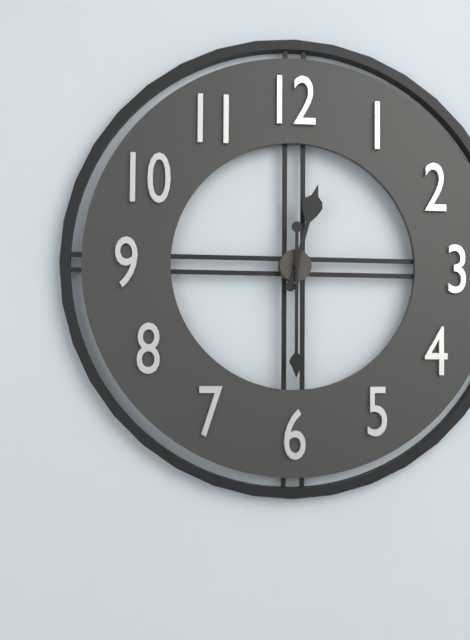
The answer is **12:30**
